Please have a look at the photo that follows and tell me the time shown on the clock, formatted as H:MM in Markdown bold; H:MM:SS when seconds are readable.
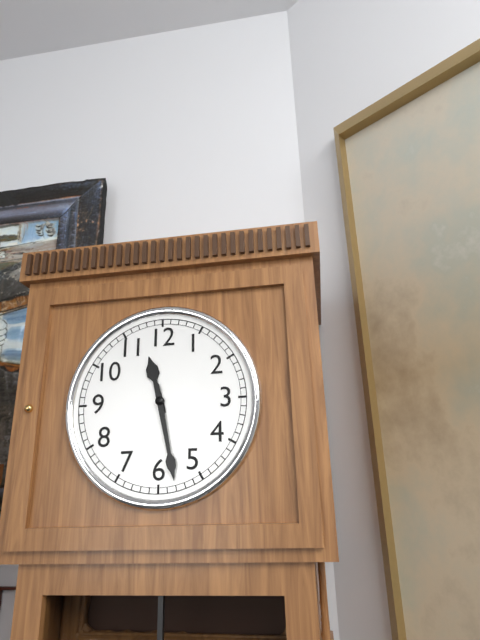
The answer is **11:28**
